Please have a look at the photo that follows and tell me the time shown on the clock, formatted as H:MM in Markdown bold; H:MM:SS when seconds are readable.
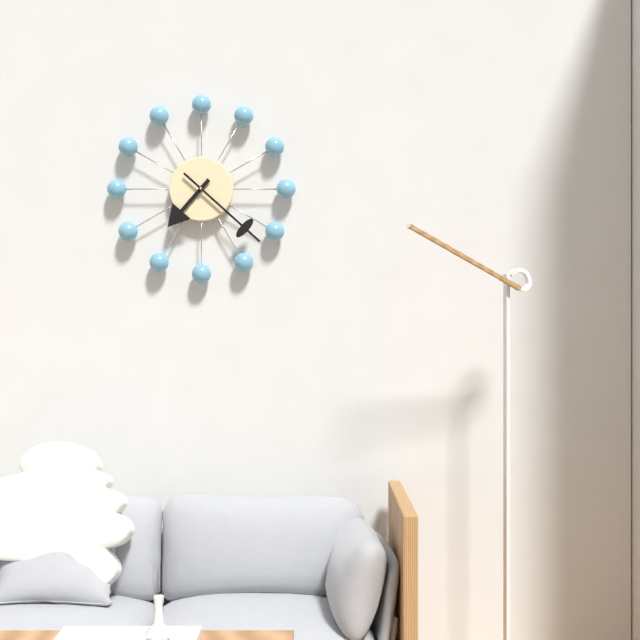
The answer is **7:22**
